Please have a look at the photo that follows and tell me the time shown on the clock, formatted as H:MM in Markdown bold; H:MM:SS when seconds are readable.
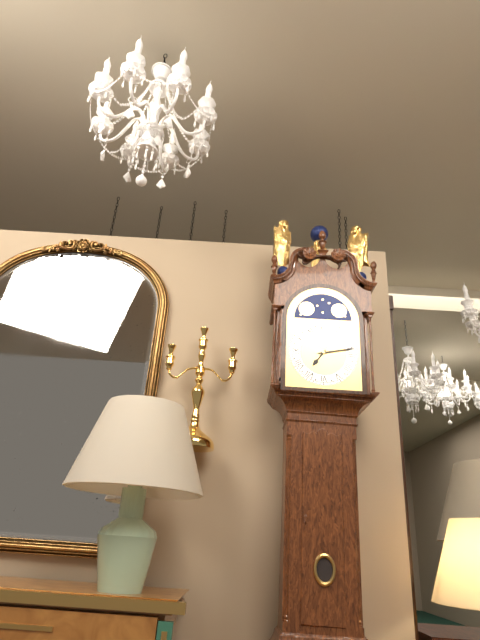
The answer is **7:13**
